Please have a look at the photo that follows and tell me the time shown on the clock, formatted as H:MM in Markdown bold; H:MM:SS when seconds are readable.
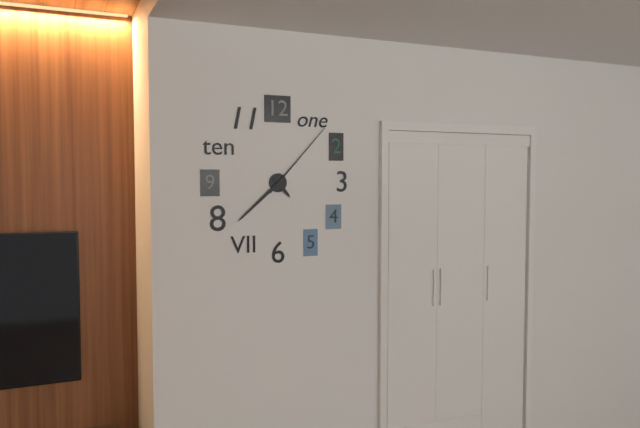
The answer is **4:38:07**
